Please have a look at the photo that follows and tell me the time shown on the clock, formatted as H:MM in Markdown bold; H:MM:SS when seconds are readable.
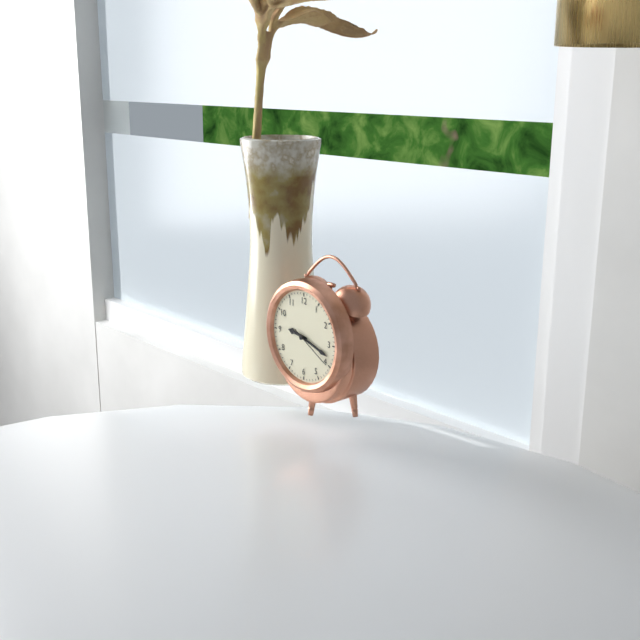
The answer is **9:18**
